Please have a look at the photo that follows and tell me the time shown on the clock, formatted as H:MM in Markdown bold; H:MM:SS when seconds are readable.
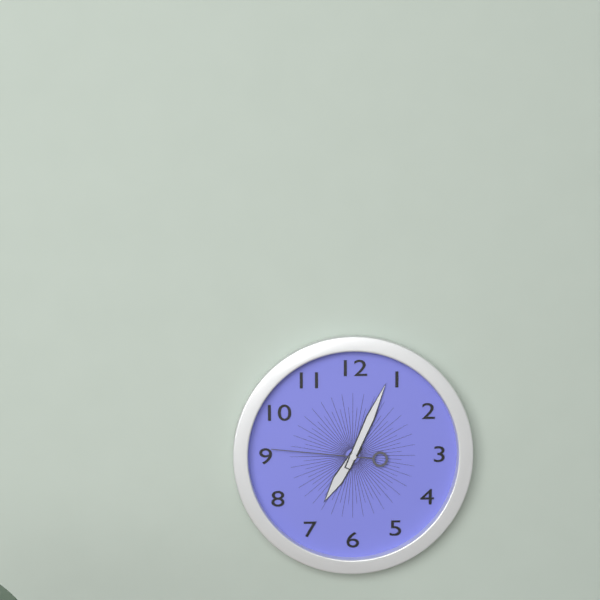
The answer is **7:04:46**
